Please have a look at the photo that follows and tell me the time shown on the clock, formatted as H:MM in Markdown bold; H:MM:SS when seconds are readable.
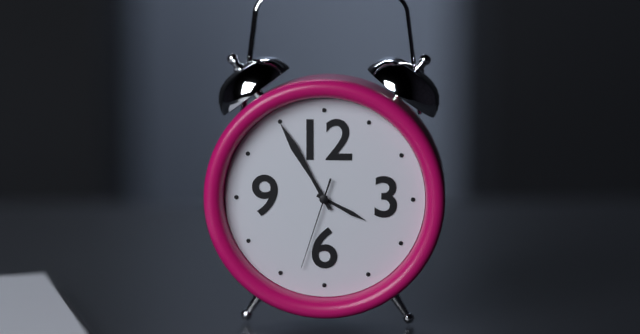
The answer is **3:55:33**
